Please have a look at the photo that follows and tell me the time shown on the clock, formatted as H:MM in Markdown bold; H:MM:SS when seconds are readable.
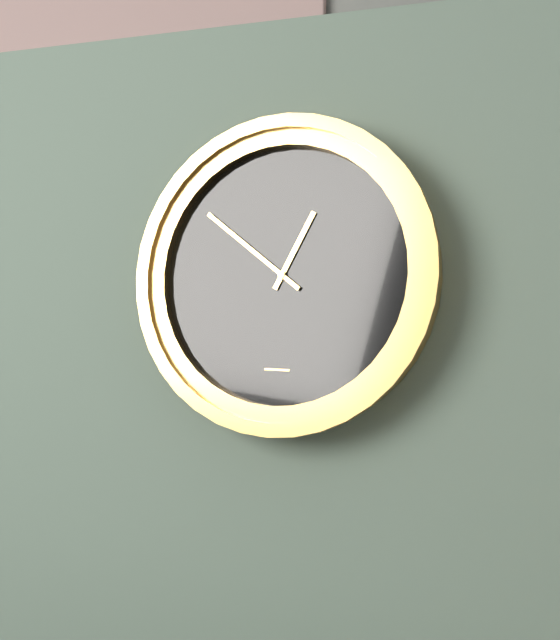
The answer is **12:51**
